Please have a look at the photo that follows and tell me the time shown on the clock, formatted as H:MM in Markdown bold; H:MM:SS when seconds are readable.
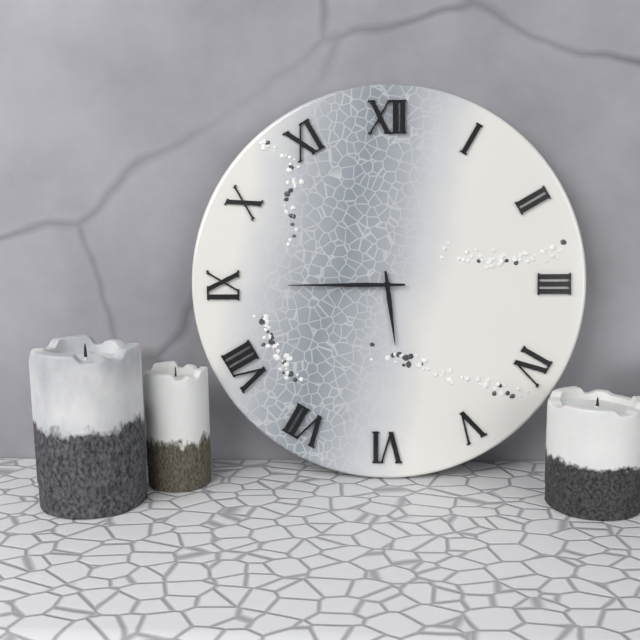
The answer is **5:45**
